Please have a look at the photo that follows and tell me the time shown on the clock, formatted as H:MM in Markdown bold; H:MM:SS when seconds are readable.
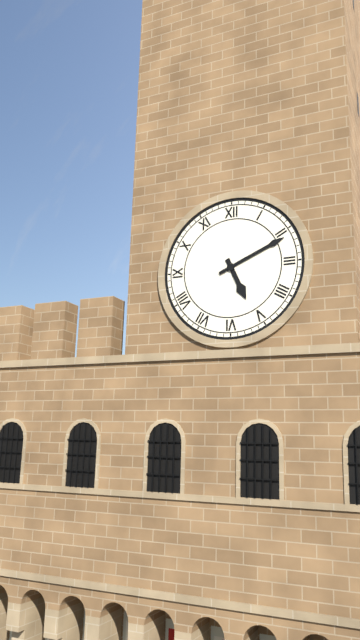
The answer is **5:11**
